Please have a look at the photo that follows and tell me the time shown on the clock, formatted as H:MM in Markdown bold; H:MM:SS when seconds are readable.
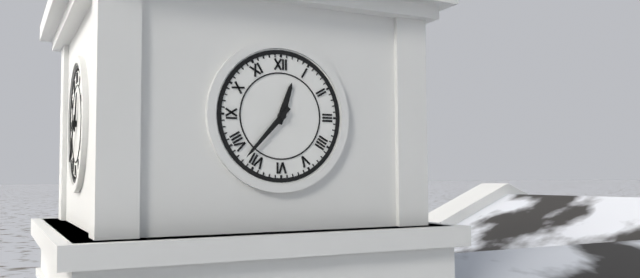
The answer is **12:37**
